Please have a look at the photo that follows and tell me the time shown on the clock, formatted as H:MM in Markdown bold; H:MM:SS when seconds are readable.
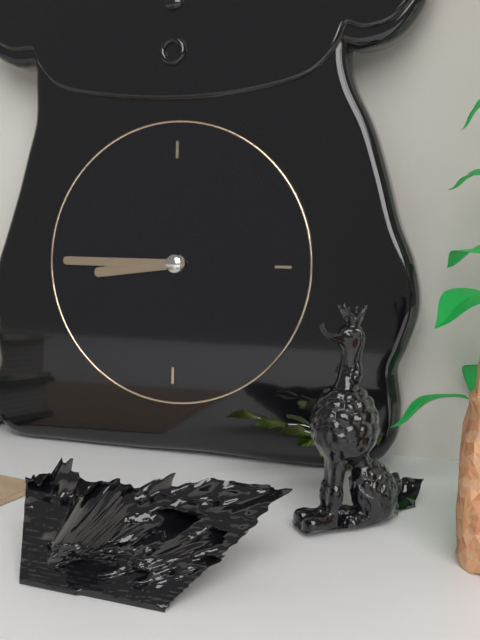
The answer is **8:45**
